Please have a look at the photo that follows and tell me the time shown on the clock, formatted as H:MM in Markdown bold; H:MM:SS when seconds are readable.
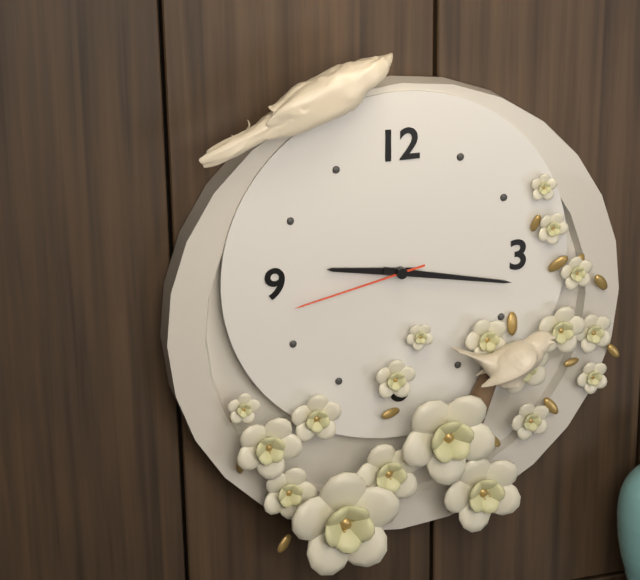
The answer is **9:17:43**
